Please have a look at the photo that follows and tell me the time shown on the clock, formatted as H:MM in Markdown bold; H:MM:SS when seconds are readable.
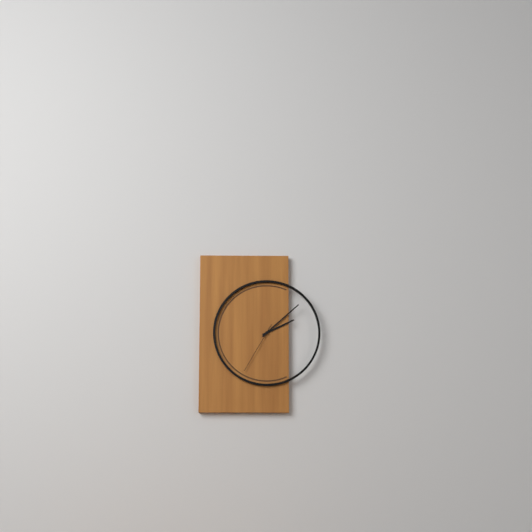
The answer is **2:08:35**
